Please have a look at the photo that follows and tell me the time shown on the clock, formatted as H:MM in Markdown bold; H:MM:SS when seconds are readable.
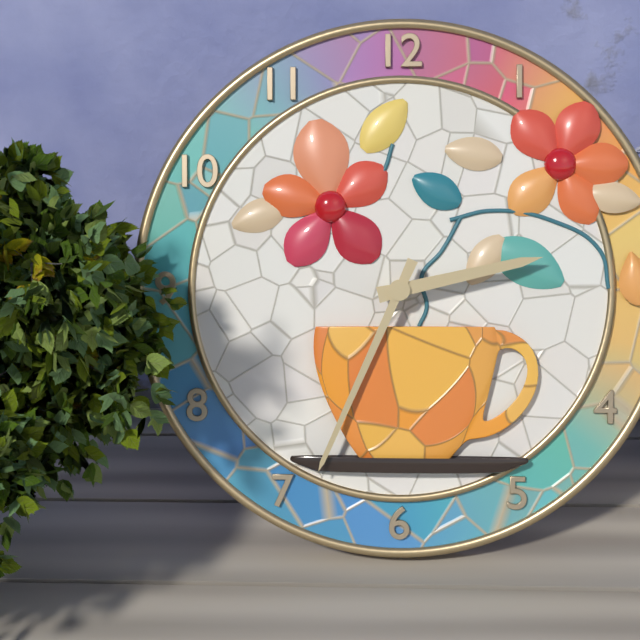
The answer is **2:34**
